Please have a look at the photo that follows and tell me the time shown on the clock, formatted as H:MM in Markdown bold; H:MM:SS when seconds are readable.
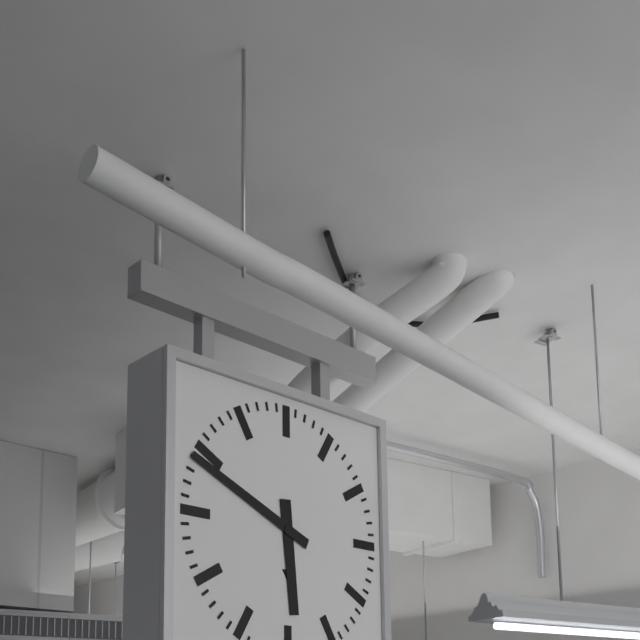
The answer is **5:49**
